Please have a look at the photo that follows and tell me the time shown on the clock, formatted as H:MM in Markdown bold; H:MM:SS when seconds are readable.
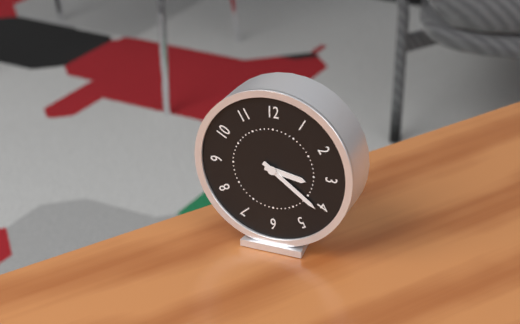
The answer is **3:21**
